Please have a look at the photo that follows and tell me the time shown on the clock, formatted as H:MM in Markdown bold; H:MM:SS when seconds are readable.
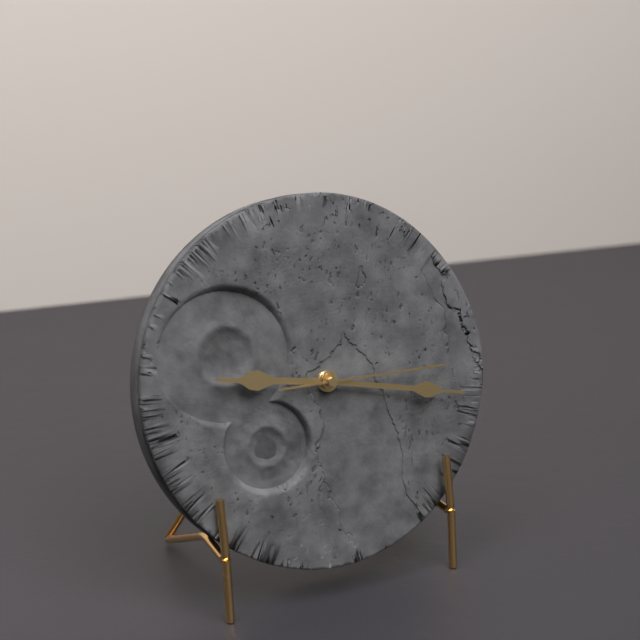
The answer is **9:17:15**
